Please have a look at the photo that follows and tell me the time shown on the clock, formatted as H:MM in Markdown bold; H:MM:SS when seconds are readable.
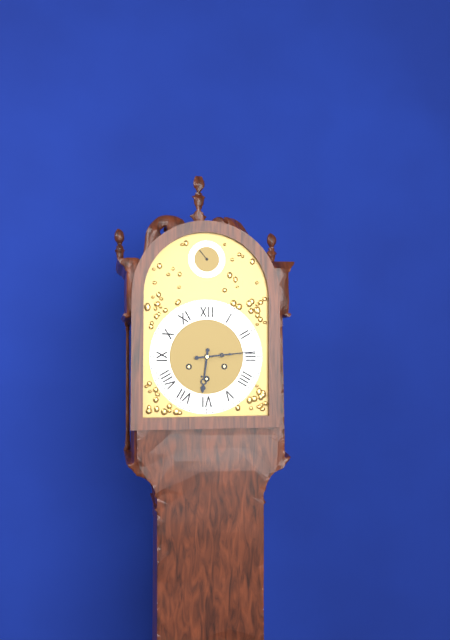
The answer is **6:14**
